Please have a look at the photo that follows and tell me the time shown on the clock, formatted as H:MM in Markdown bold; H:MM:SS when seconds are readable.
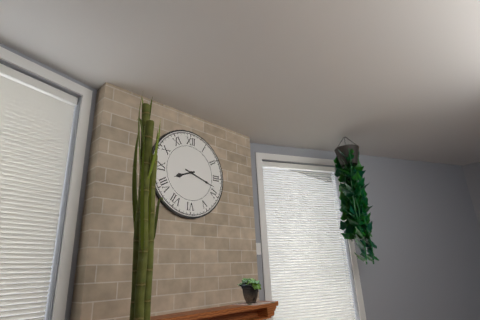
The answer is **8:18**
